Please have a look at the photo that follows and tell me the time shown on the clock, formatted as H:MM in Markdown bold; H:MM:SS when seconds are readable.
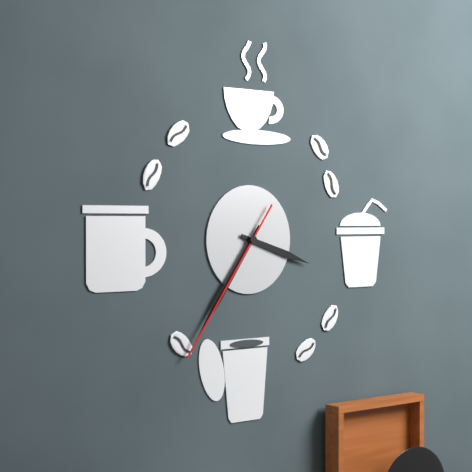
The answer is **3:36:36**
